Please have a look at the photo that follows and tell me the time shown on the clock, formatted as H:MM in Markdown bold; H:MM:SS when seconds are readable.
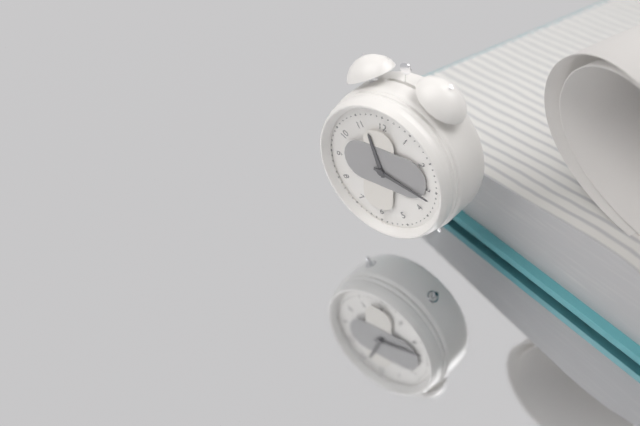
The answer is **11:17**
